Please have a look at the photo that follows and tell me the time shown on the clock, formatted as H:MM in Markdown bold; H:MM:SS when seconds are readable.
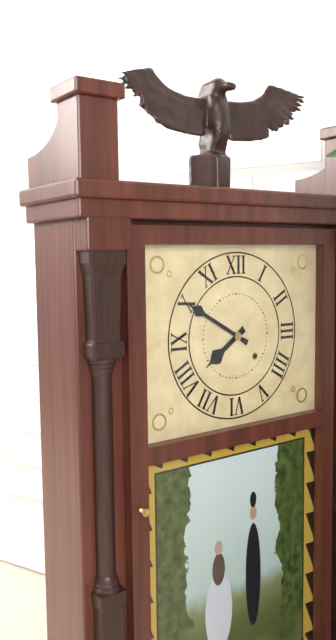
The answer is **7:50**
